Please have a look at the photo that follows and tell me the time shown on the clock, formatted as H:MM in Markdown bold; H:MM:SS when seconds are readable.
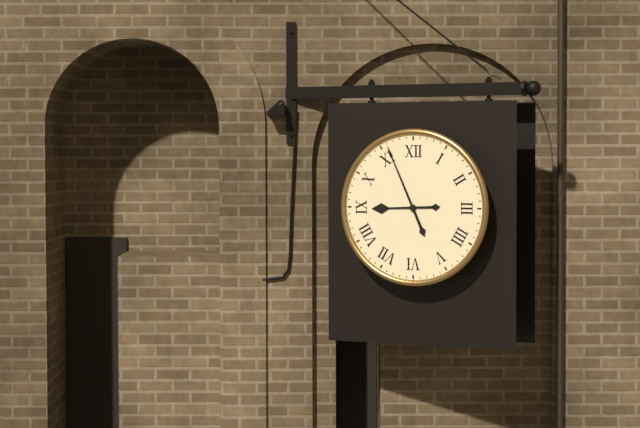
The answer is **8:56**
